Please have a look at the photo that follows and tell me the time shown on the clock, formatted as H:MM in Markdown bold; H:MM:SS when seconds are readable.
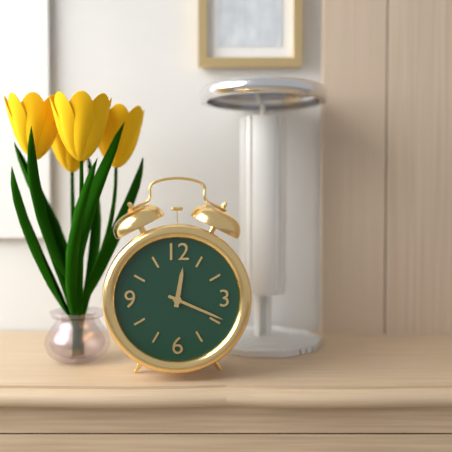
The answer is **12:19**
